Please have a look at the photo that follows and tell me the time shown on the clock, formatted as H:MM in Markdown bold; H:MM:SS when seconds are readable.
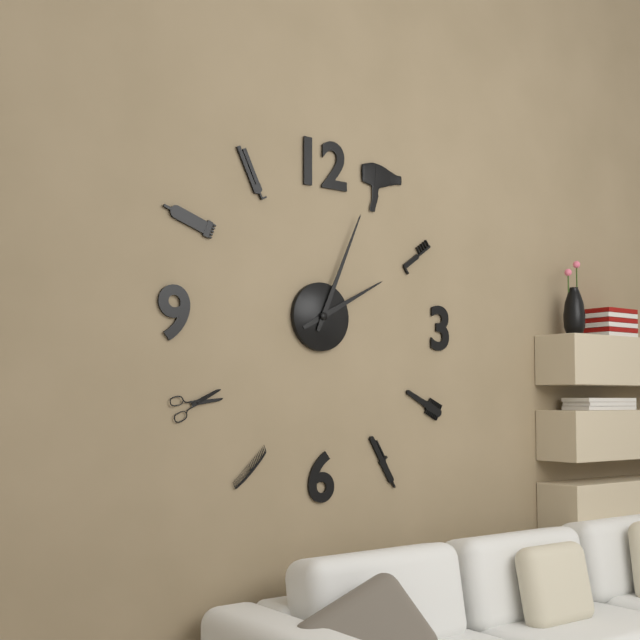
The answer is **2:04**
